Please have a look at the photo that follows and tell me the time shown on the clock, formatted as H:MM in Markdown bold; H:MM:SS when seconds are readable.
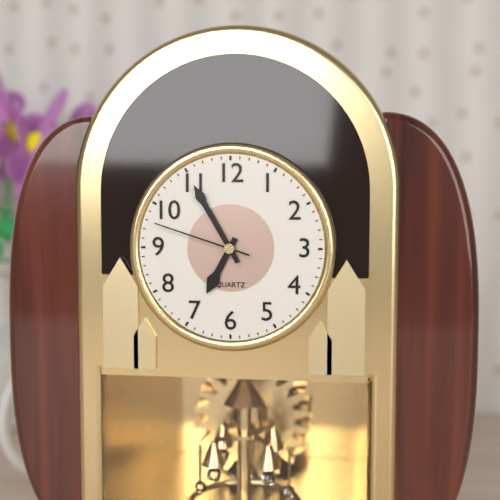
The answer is **6:55:48**
